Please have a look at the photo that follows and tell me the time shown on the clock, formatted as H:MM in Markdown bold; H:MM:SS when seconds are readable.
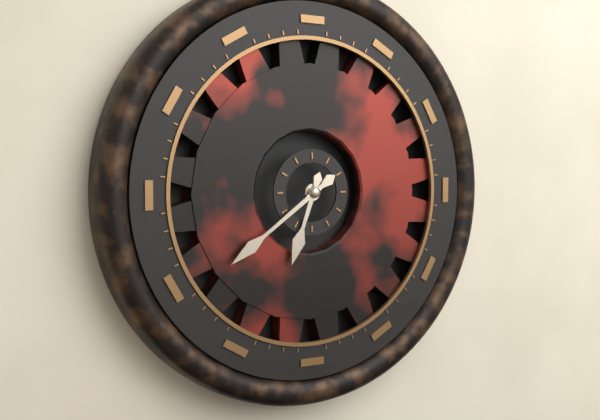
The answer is **6:39**
